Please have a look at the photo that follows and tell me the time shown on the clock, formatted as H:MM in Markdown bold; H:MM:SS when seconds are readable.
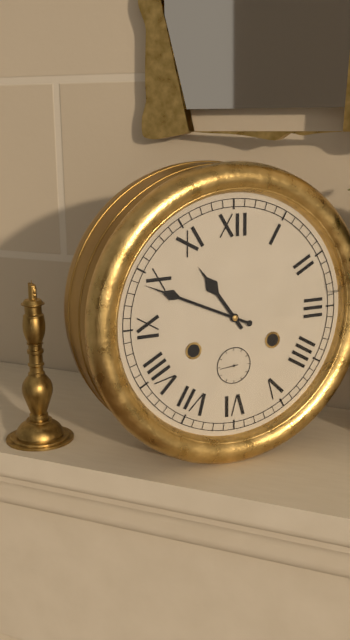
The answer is **10:49**
